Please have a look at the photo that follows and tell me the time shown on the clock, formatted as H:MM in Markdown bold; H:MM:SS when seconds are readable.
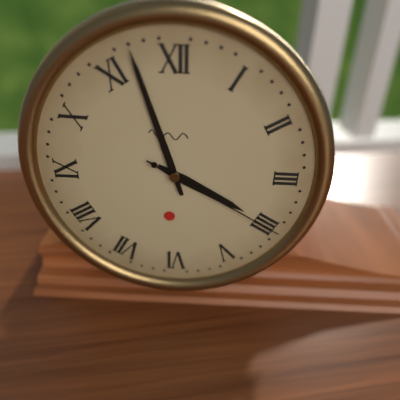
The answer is **3:57:20**
